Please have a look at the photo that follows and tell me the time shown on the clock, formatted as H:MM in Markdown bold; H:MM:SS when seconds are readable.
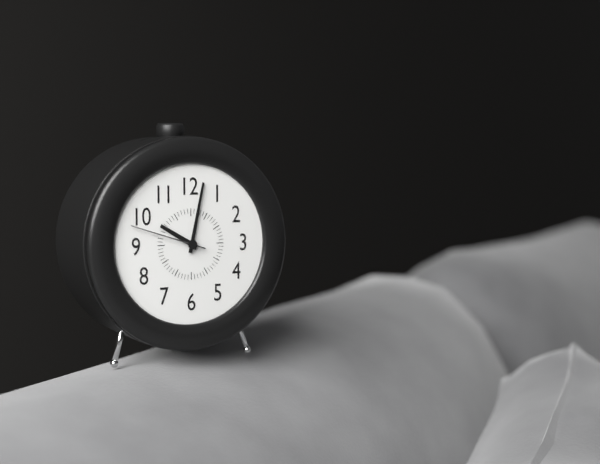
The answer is **10:02:48**
